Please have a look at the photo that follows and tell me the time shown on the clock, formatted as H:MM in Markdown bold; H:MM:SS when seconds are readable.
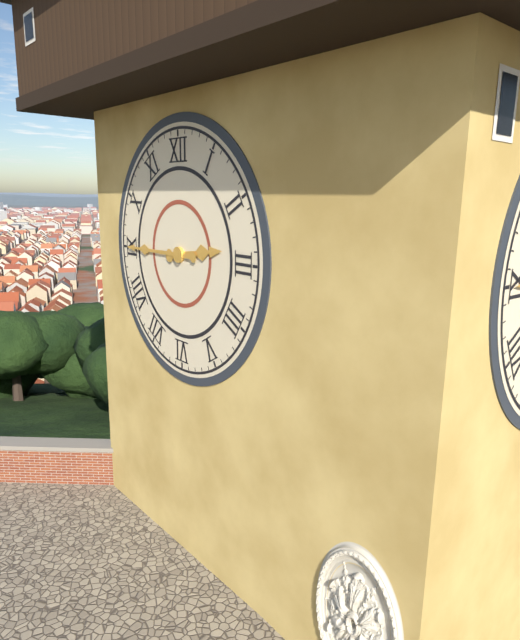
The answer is **2:45**
